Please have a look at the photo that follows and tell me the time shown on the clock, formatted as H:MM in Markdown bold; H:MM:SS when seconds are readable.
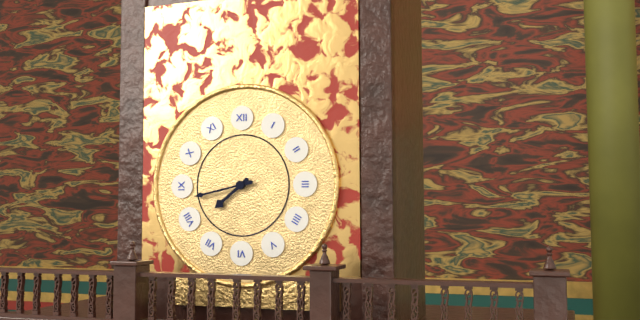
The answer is **7:43**
